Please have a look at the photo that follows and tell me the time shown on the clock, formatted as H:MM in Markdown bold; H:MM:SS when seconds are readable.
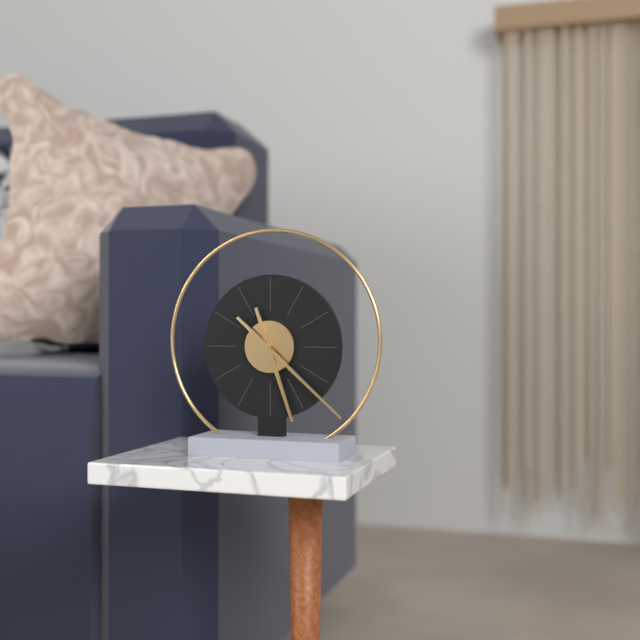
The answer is **5:22**
